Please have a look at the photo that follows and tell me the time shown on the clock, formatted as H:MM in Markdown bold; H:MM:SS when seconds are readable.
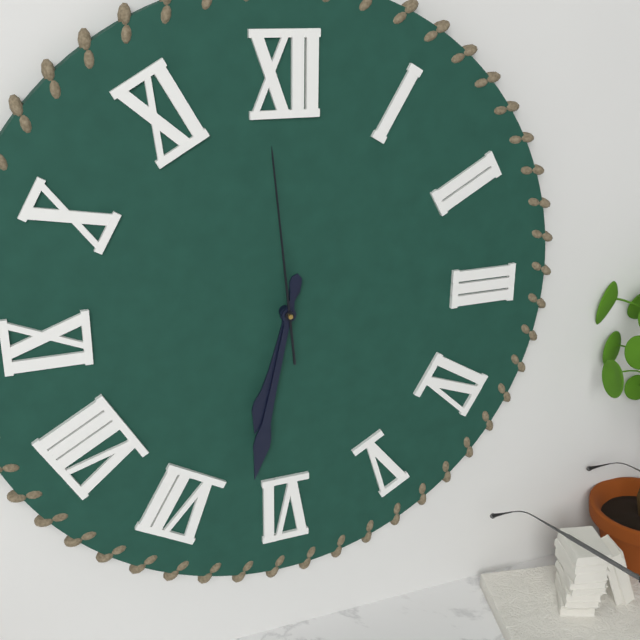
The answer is **6:32:59**
